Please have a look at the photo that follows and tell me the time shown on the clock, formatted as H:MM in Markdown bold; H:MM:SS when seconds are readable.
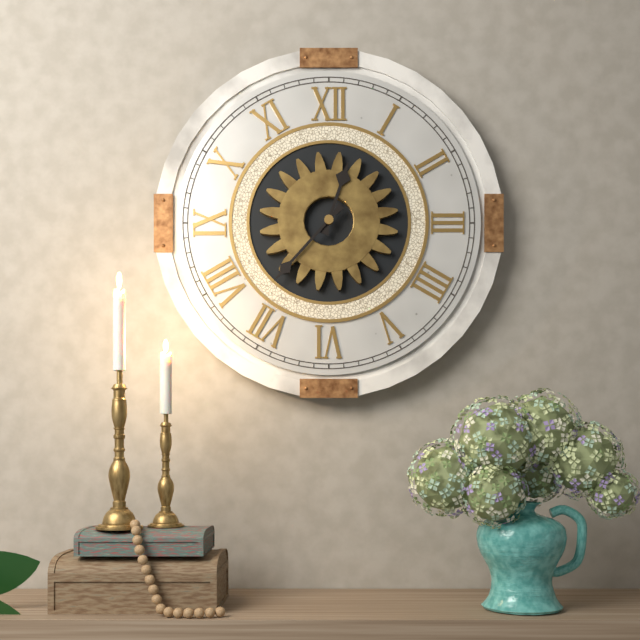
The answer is **12:37**
